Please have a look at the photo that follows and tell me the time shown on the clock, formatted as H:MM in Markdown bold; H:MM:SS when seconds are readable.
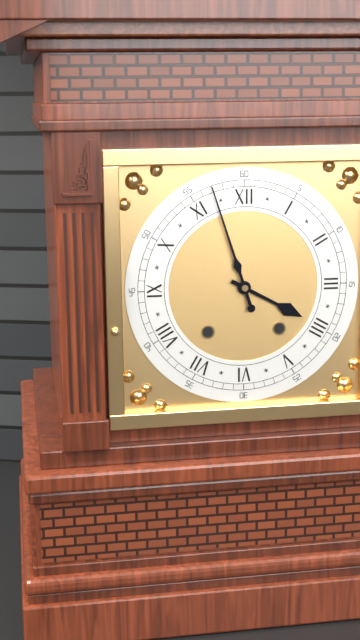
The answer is **3:57**
